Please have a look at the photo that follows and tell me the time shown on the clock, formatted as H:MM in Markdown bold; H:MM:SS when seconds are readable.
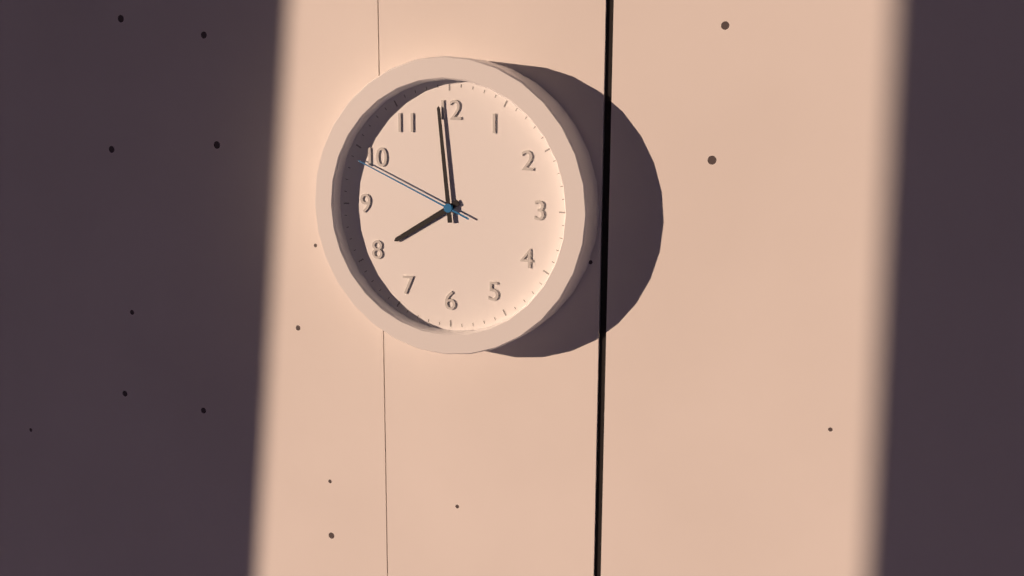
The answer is **7:59:49**
